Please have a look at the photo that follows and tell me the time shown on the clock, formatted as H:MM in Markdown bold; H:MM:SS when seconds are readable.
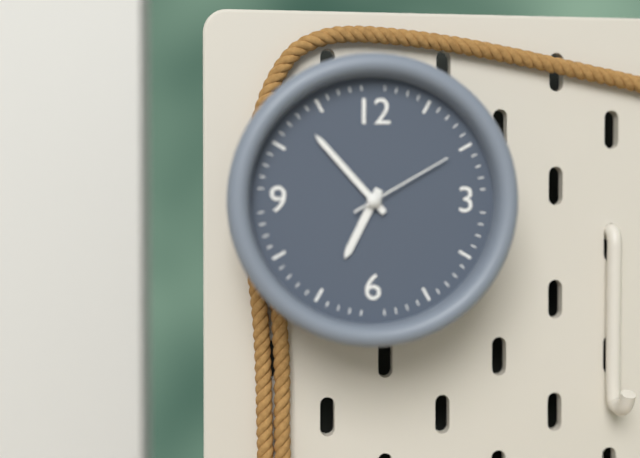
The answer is **6:53:10**
